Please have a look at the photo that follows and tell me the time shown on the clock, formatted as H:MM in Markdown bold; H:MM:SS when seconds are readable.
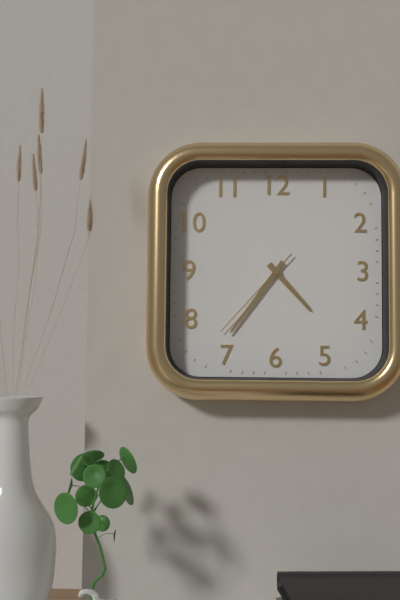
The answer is **4:36:37**
